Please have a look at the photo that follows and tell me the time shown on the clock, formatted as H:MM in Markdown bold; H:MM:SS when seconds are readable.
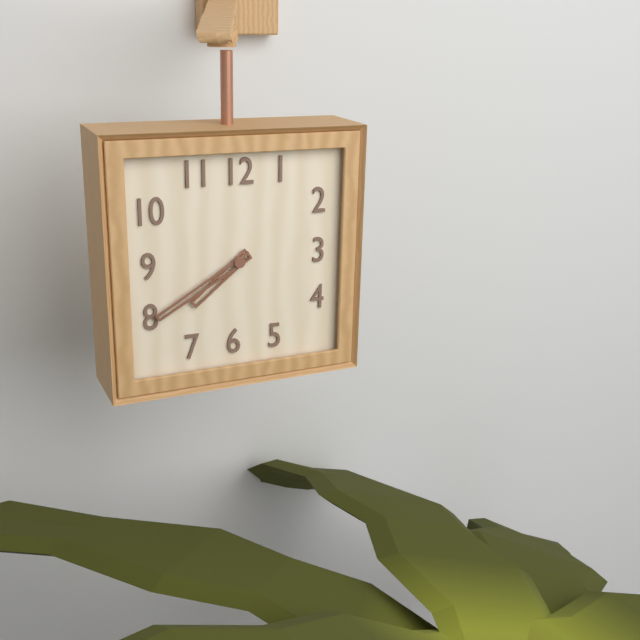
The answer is **7:40**
